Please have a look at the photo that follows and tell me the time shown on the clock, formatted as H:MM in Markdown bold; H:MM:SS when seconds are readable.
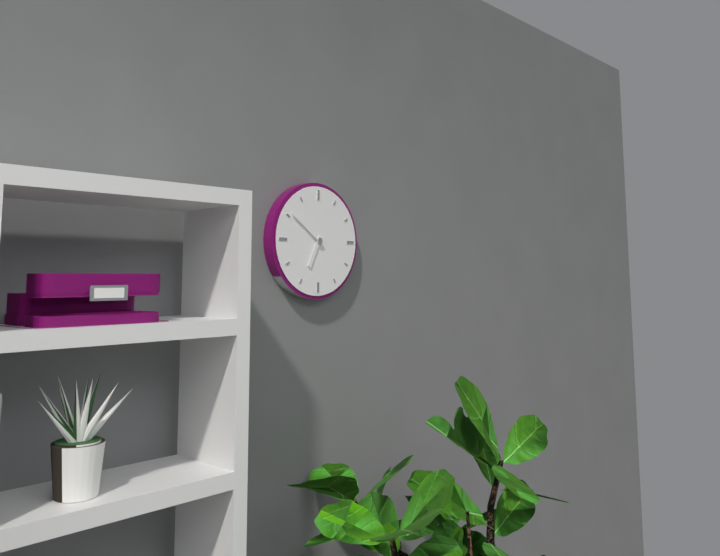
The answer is **6:51**
